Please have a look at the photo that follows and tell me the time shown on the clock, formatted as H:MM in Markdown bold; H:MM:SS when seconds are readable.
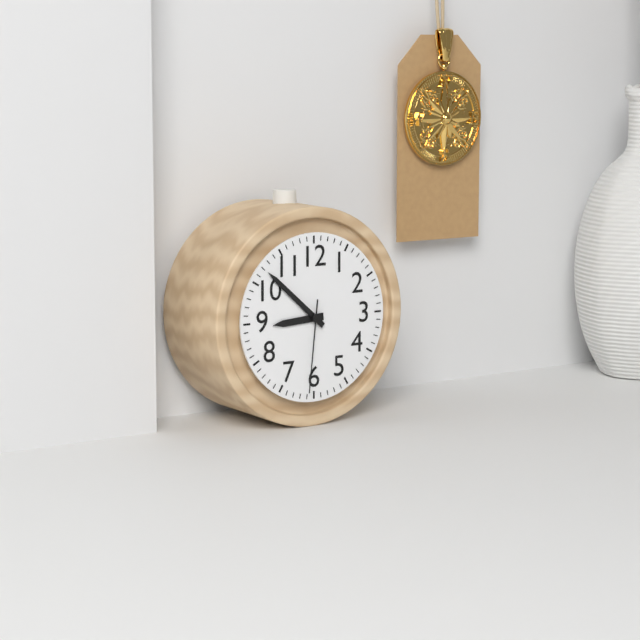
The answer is **8:52:31**
